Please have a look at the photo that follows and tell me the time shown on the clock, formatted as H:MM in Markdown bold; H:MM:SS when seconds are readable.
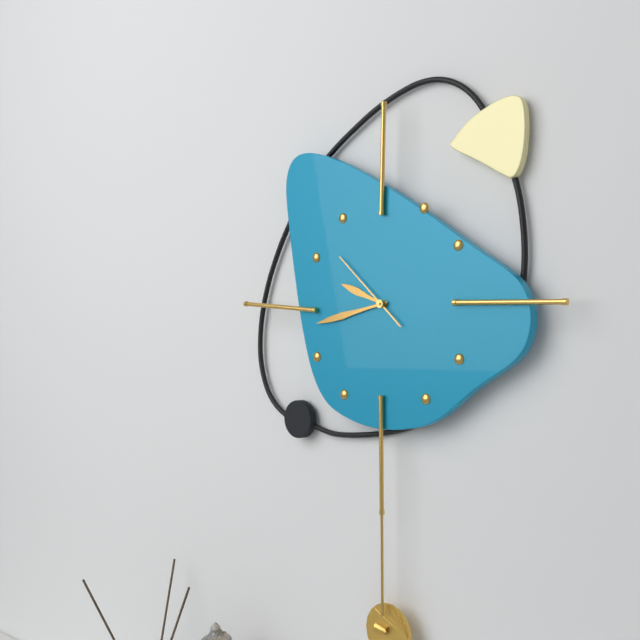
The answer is **9:43:52**
